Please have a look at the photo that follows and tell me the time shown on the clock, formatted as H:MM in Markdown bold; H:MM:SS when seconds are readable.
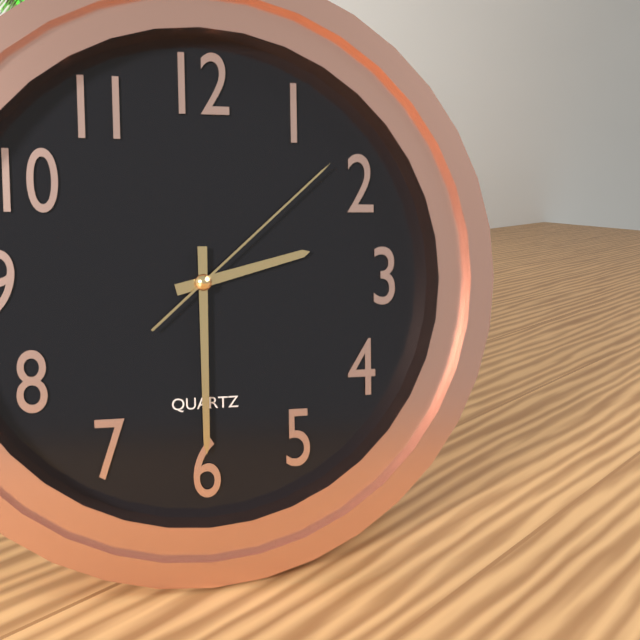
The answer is **2:30:08**
